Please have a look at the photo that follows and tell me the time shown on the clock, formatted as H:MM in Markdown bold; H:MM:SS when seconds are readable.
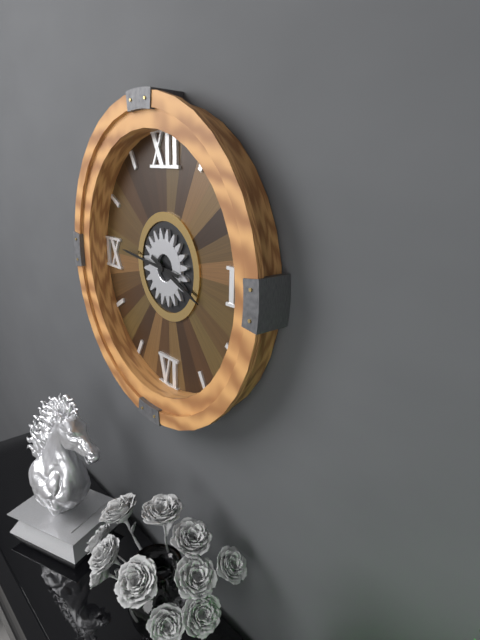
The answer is **3:46**
